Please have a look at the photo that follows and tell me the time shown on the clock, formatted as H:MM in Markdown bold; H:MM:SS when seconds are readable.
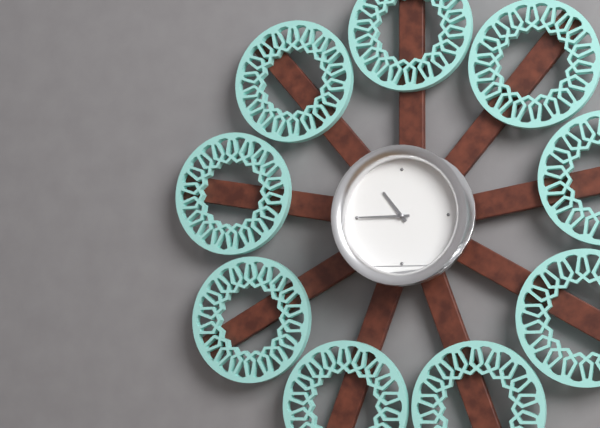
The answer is **10:45**
